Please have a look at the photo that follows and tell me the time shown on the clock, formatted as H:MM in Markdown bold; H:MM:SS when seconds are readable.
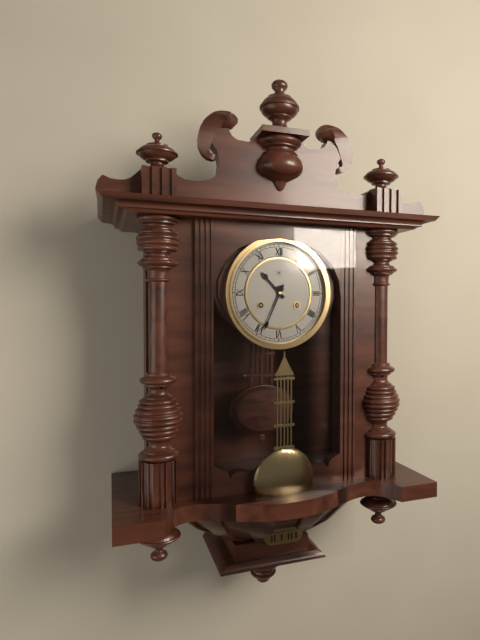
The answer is **10:34**
